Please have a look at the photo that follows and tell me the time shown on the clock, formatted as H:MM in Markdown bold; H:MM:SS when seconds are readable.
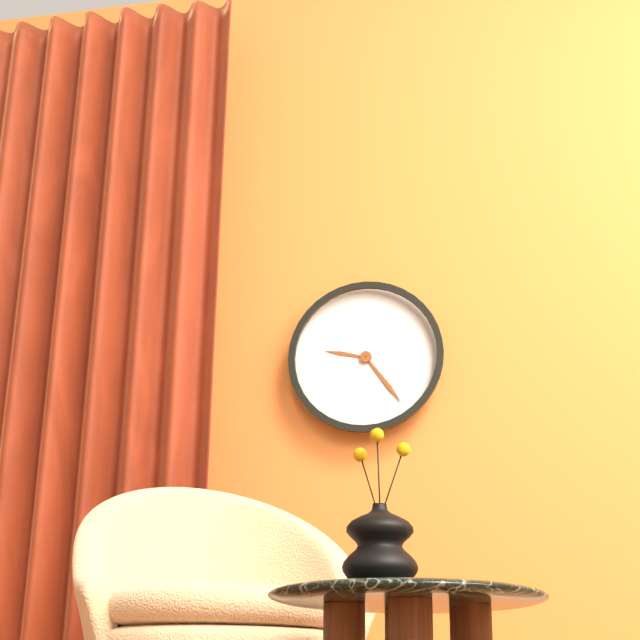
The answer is **9:24**
